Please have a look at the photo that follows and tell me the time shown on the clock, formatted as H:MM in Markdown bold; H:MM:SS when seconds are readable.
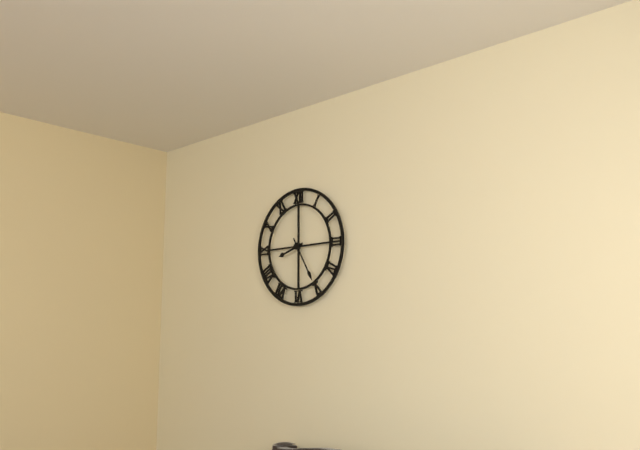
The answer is **8:25**
